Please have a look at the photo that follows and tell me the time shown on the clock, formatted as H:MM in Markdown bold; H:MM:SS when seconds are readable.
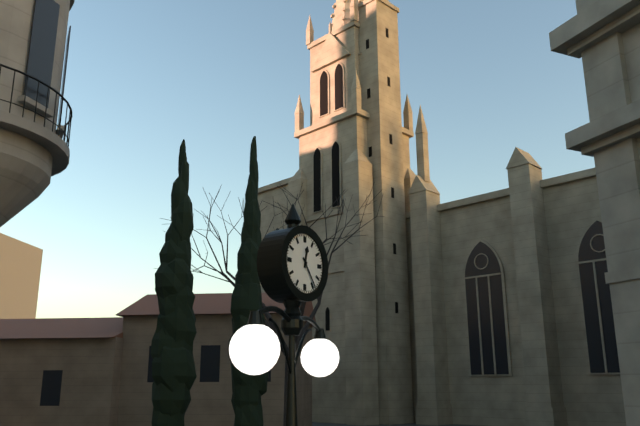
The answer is **12:24**
